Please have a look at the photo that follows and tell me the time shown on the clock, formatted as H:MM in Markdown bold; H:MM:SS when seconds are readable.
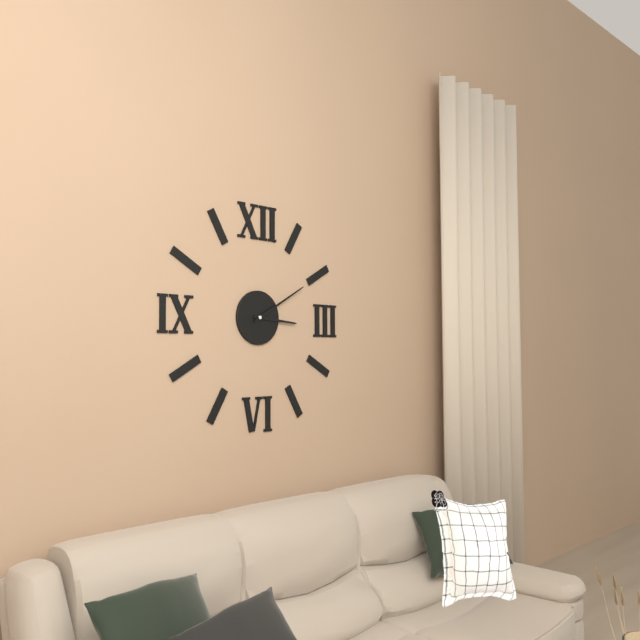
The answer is **3:10**
